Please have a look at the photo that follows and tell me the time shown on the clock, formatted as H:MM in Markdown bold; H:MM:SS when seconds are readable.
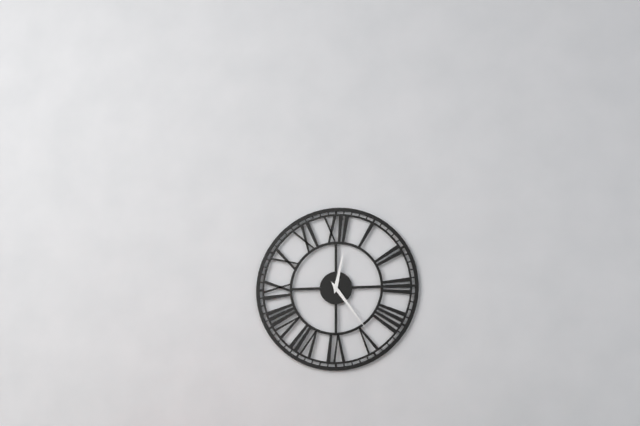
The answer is **12:24**
